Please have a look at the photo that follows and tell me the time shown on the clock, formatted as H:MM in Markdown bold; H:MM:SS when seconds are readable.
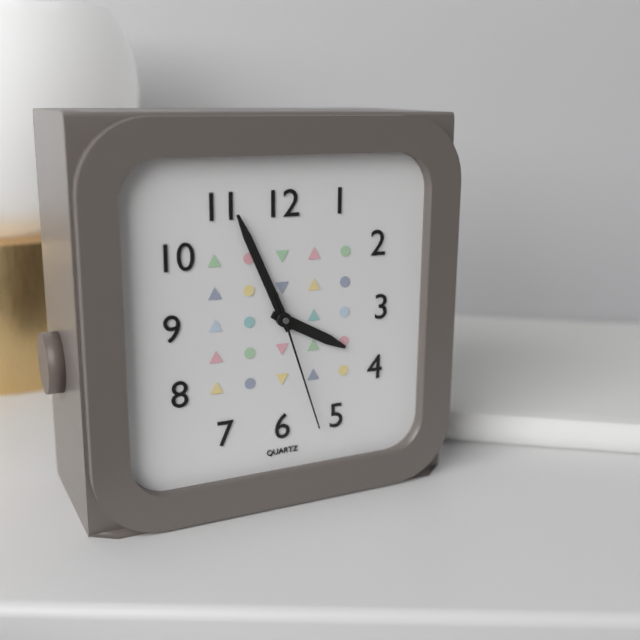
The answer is **3:56:27**
